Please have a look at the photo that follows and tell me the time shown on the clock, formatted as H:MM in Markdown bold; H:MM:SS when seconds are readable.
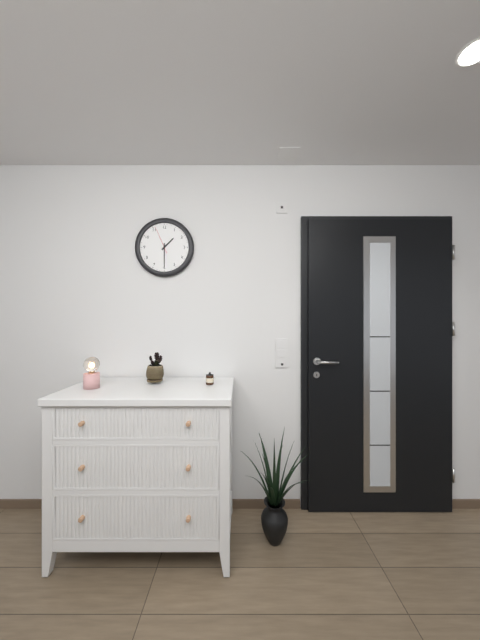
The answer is **1:30**
